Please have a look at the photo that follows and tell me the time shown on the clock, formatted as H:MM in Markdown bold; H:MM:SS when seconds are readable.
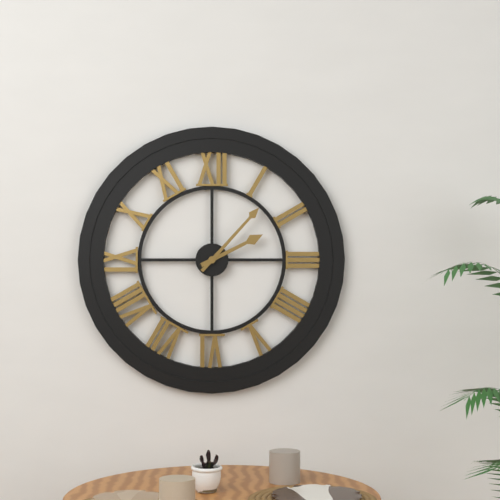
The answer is **2:07**
